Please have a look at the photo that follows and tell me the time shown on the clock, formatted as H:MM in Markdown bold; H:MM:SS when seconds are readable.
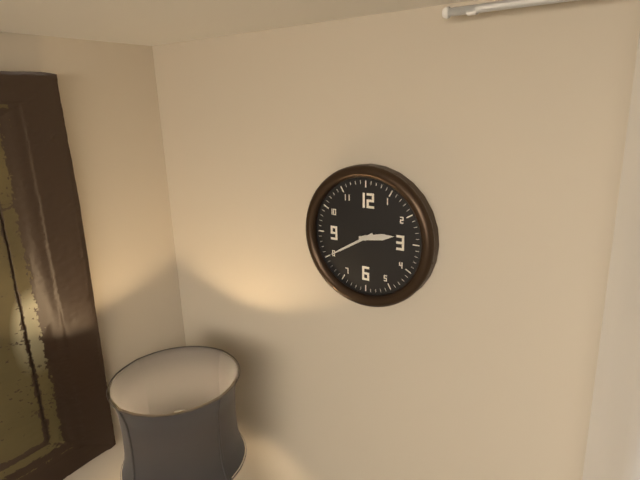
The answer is **2:40**
